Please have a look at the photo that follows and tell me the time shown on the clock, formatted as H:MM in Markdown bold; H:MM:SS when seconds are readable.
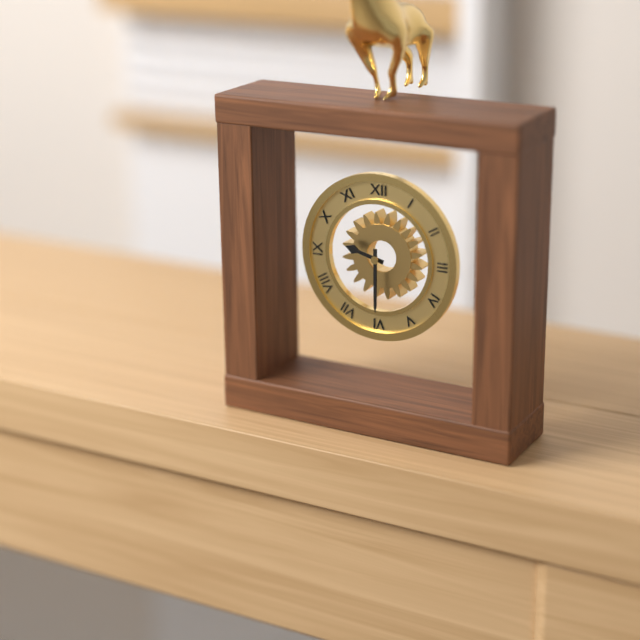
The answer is **9:30**
